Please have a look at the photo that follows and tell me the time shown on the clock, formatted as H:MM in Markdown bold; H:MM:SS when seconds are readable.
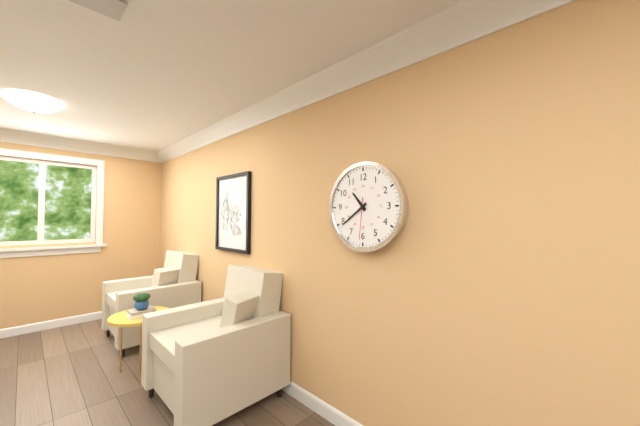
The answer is **10:39**
